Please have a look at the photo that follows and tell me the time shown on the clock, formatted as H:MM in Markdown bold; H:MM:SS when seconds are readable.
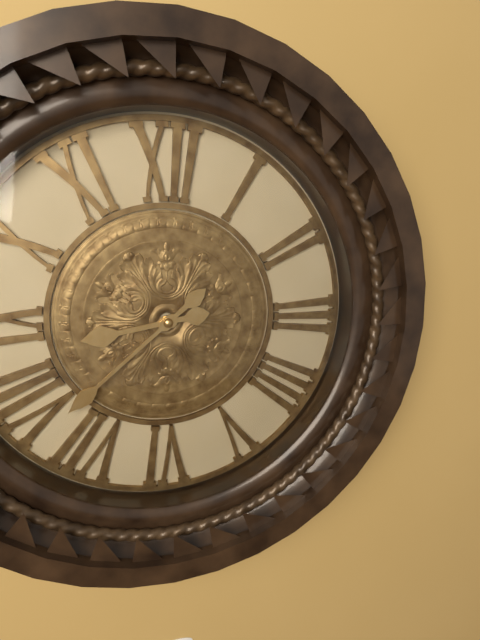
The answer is **8:38**
